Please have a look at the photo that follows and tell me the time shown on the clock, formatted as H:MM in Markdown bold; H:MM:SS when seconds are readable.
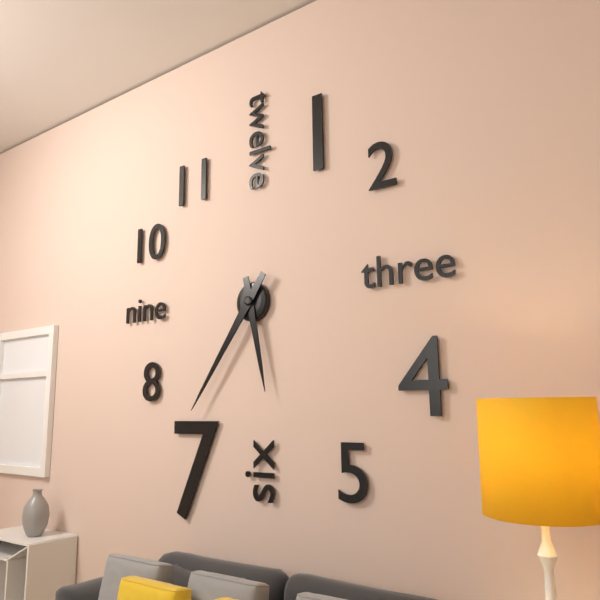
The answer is **5:36**
